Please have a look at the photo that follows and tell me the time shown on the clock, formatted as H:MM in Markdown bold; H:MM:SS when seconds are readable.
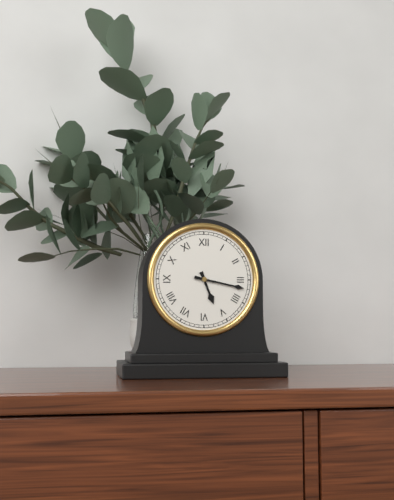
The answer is **5:17**
